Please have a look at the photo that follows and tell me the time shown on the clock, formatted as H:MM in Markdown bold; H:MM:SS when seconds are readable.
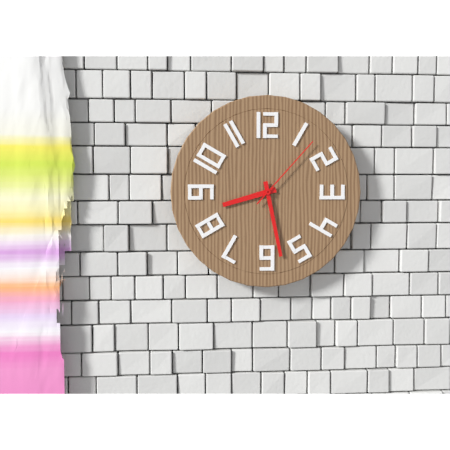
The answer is **8:28:07**
